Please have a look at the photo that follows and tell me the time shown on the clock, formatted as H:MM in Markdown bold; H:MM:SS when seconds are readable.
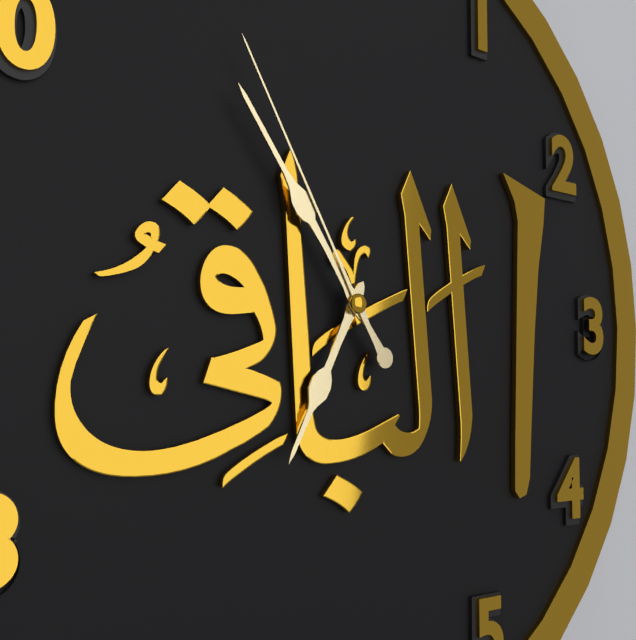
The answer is **6:54:55**
